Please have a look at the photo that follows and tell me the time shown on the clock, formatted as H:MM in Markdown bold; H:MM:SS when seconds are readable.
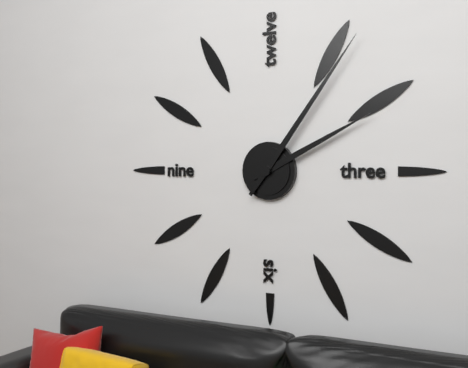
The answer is **2:06**
